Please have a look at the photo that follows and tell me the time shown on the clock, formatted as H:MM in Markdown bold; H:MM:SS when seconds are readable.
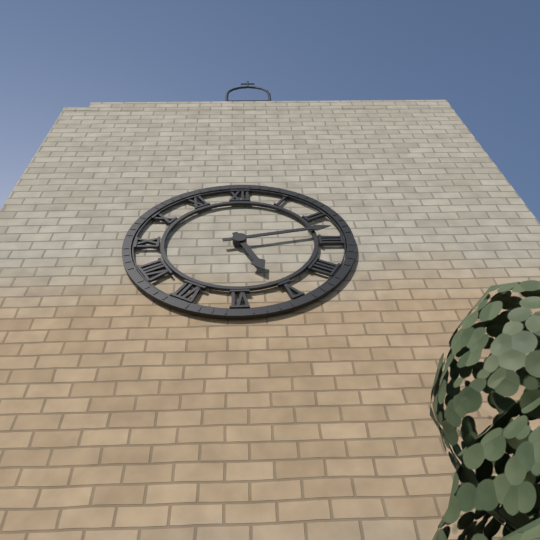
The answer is **5:13**
